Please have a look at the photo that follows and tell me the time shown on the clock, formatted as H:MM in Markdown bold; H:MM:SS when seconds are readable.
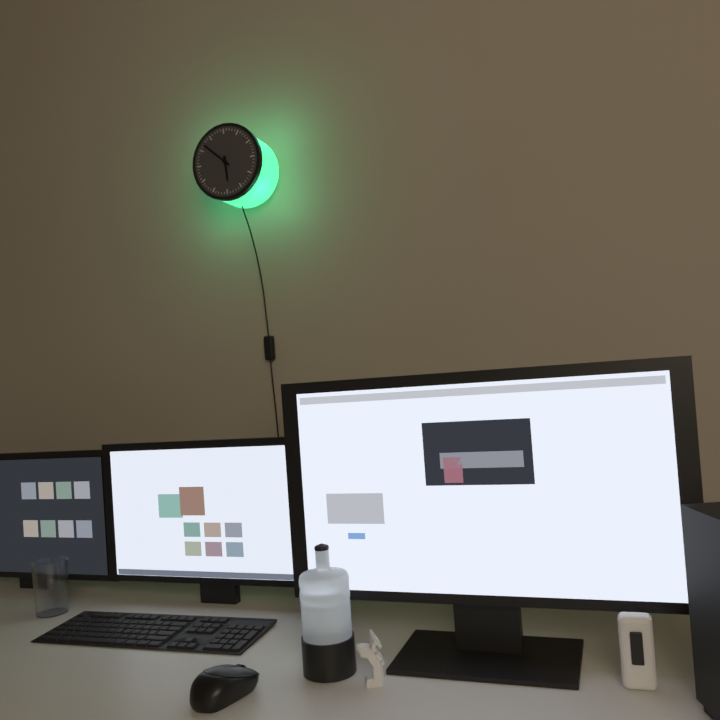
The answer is **5:52**
